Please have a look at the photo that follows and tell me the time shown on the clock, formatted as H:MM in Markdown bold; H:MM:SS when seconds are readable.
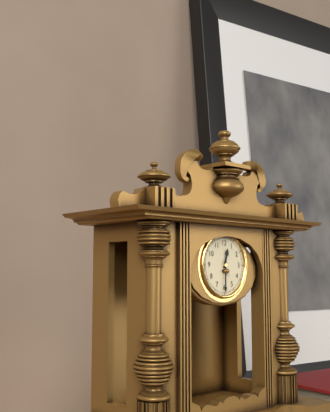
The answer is **12:30**
